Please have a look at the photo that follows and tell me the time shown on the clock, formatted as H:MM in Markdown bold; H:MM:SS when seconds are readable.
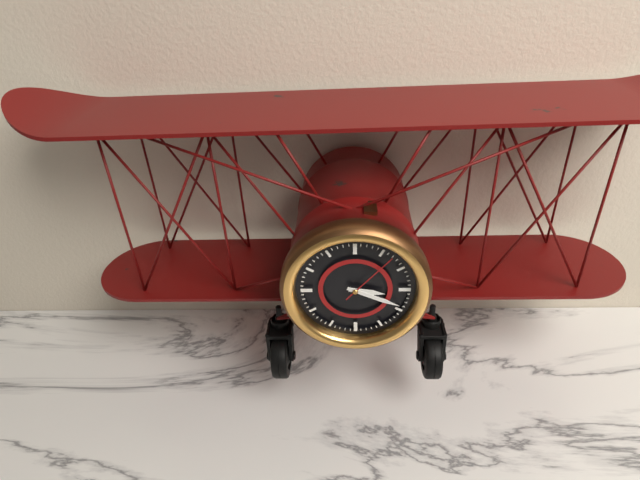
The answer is **3:19:07**
